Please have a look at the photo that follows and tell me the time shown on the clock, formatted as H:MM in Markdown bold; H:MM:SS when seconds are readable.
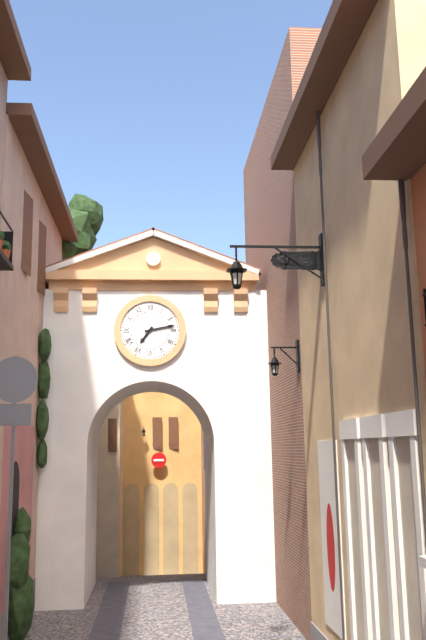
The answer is **7:13**
